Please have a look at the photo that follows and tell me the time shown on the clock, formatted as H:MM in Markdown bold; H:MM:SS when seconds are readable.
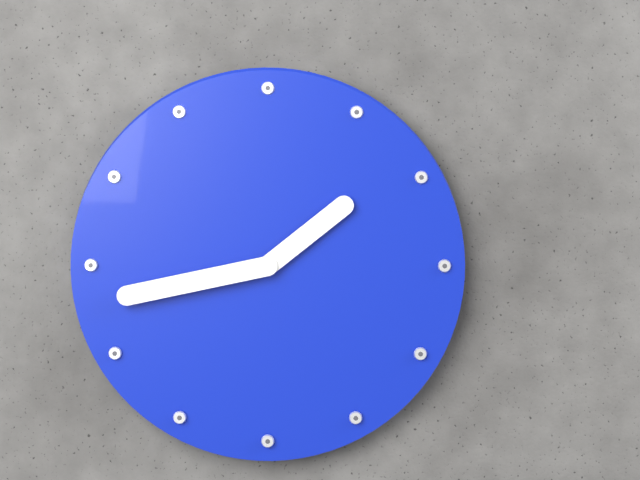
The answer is **1:43**
